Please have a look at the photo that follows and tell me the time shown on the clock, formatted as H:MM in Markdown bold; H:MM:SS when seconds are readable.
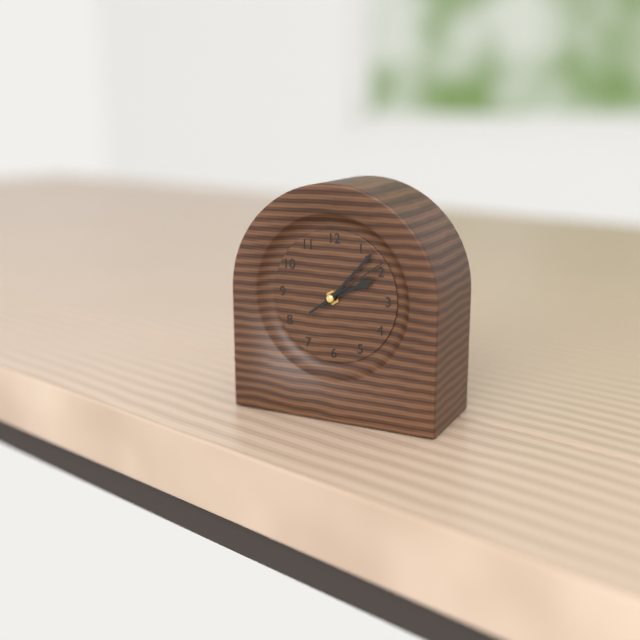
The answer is **2:07:09**
